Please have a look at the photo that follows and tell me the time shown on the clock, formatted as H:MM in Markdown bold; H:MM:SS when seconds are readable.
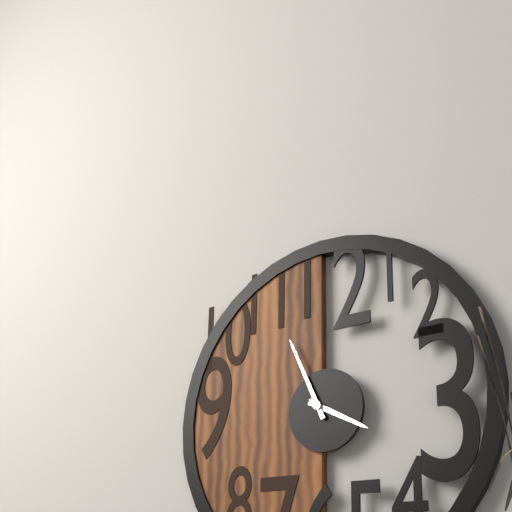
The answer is **3:56**
